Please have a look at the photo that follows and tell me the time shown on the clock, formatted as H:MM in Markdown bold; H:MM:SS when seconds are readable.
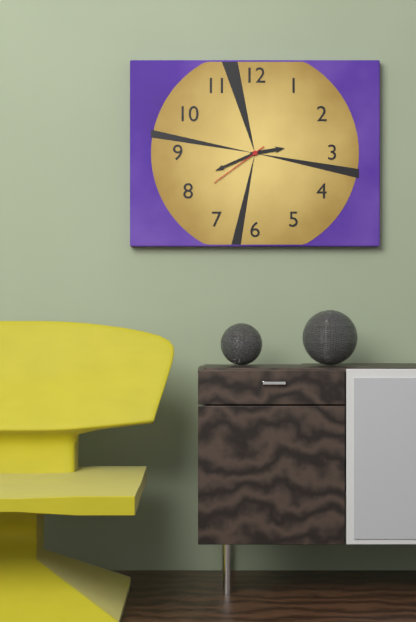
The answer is **2:41:39**
